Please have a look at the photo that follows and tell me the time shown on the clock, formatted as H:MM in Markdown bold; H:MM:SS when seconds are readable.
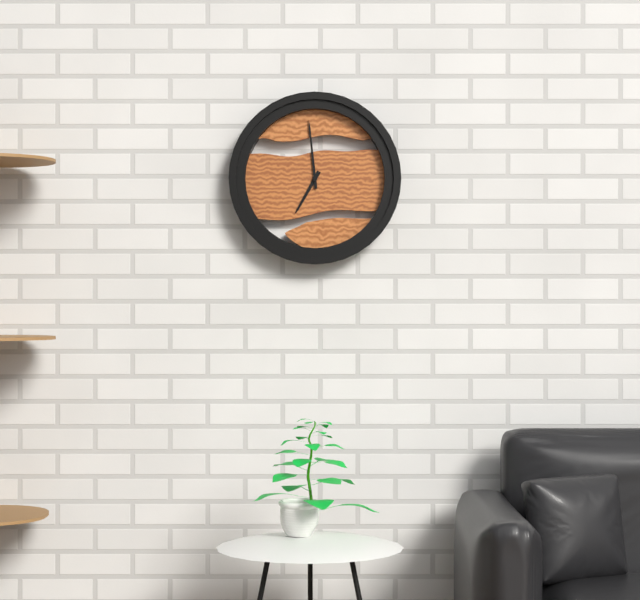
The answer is **6:59**
